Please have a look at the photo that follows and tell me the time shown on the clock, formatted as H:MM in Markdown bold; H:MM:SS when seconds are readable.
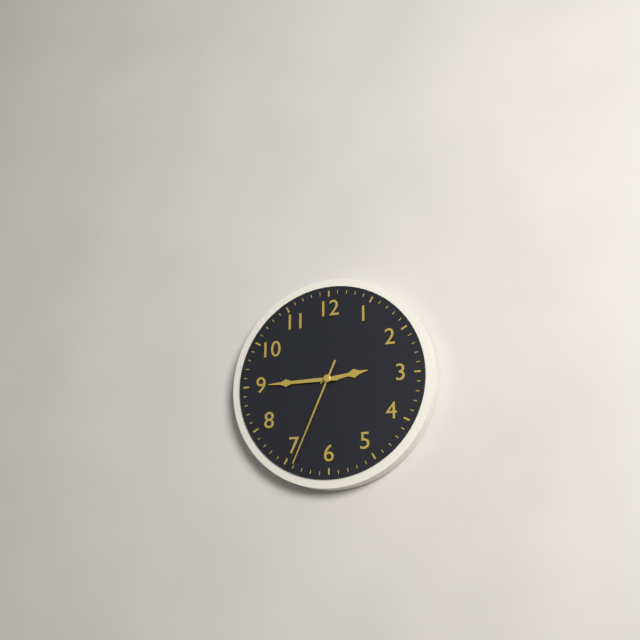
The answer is **2:45:34**
